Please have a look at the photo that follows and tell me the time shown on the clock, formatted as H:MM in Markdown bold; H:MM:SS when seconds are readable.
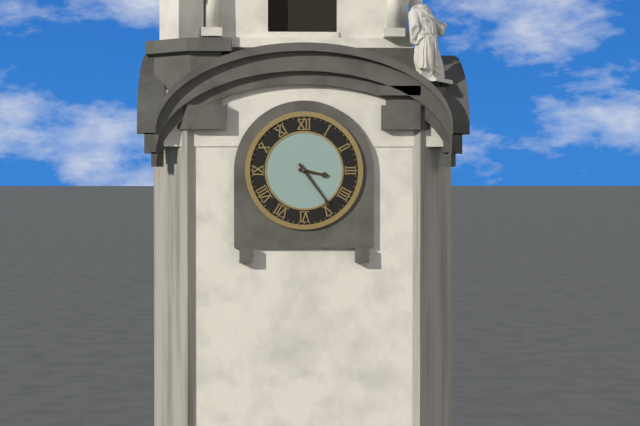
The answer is **3:24**
